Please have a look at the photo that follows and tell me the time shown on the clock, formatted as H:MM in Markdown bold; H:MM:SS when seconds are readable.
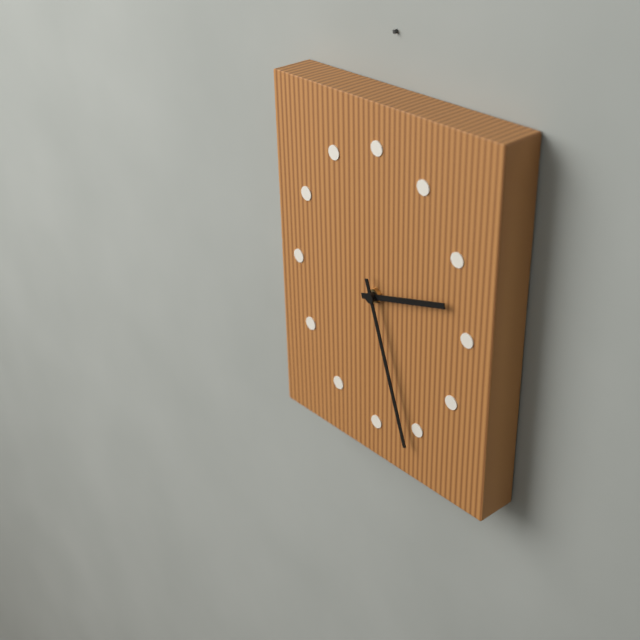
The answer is **2:27**
